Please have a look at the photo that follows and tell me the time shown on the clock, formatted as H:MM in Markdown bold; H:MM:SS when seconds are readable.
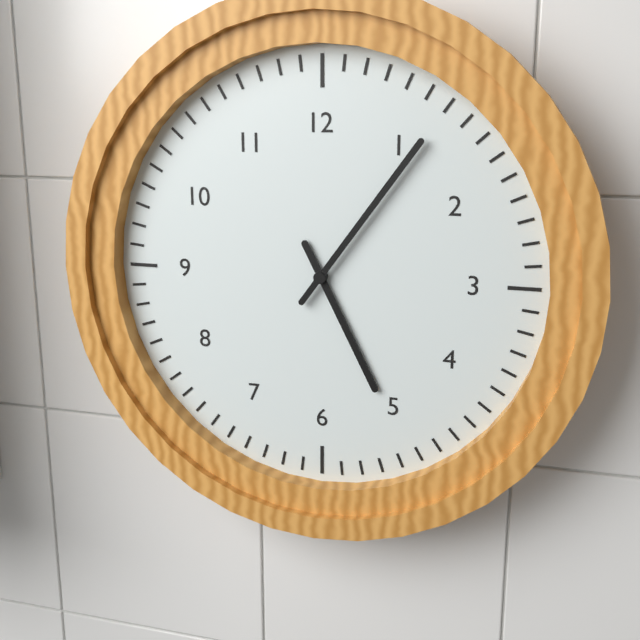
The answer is **5:06**
